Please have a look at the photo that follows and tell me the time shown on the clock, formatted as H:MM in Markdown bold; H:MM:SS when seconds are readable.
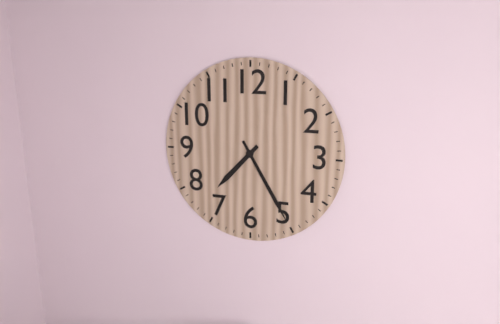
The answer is **7:25**
